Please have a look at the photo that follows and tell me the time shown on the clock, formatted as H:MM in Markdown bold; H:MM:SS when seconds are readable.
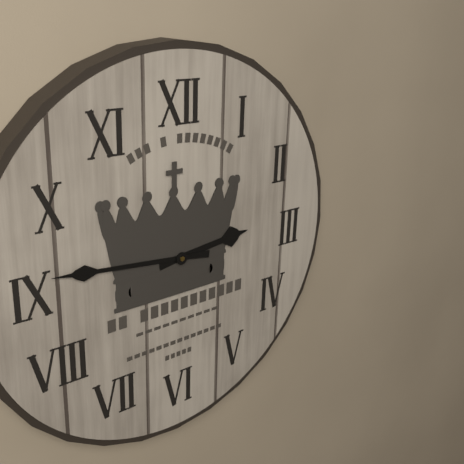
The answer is **2:46**
